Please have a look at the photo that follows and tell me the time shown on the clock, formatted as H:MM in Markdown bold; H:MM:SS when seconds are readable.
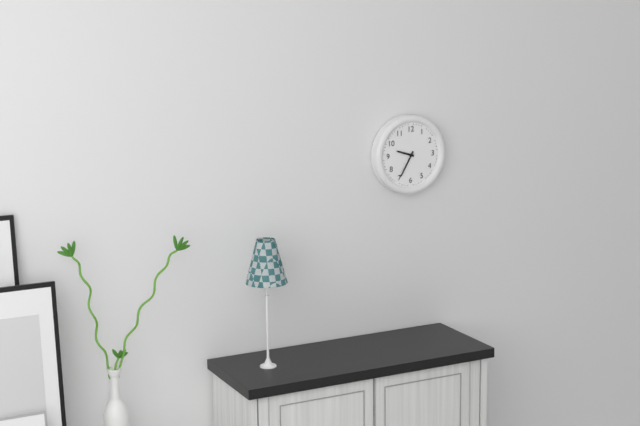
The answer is **9:35**
